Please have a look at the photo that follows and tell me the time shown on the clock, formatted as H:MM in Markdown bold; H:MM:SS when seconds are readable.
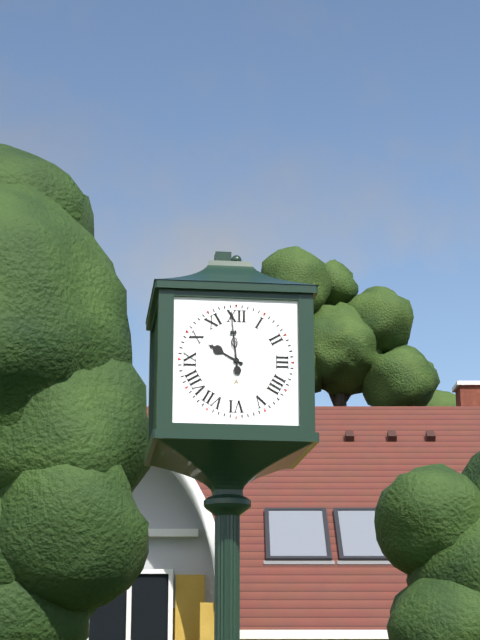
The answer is **9:59**
